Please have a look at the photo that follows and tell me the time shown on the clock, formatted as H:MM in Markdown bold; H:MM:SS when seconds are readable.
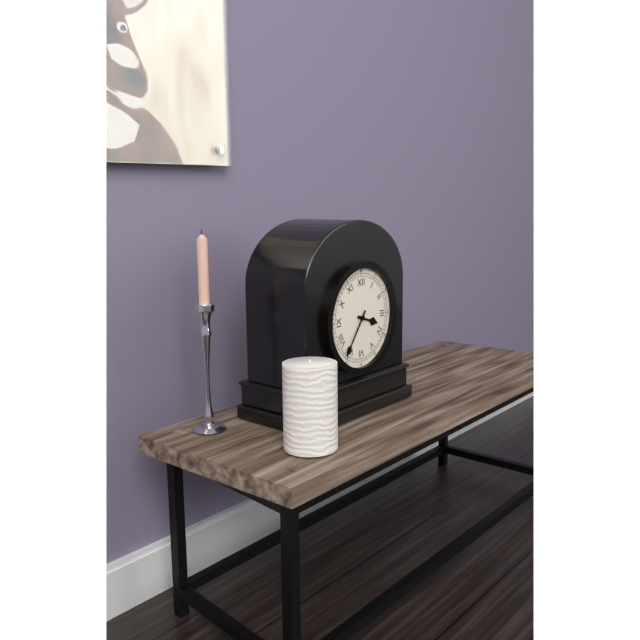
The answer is **3:36**
